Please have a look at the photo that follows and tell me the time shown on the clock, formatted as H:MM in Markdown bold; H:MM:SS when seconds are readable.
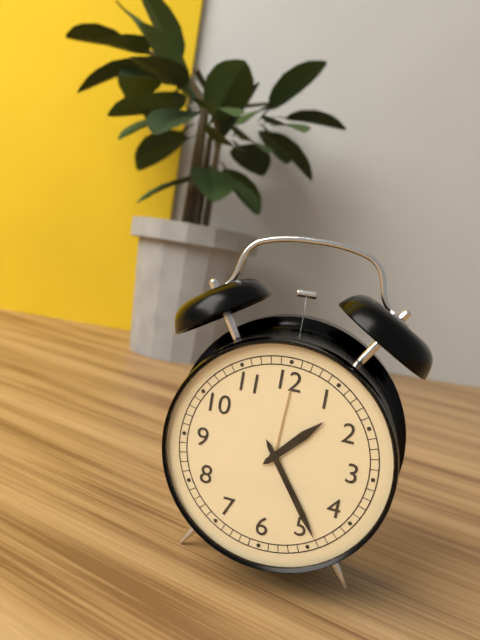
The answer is **1:24**
